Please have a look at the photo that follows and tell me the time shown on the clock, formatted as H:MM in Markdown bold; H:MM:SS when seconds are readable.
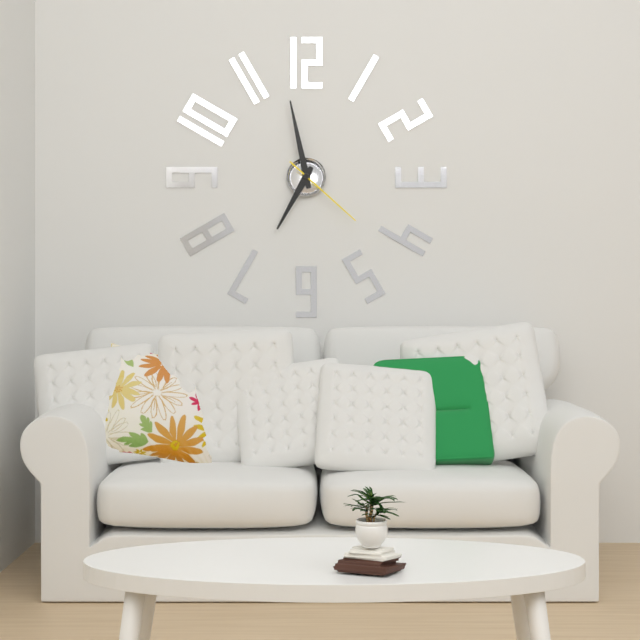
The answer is **6:58:22**
